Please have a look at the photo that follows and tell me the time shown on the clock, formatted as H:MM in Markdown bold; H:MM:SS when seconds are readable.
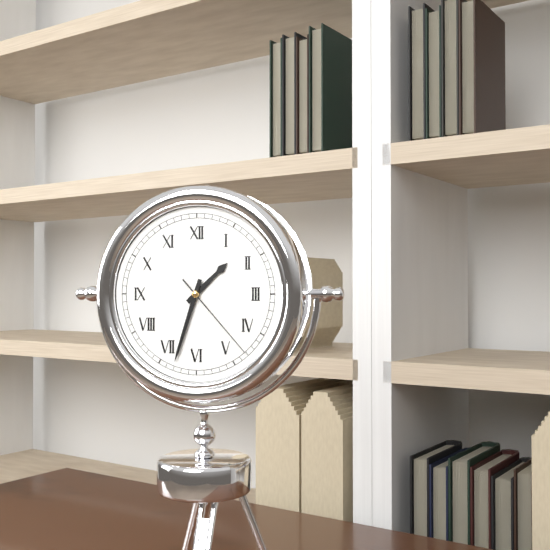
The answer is **1:33:23**
